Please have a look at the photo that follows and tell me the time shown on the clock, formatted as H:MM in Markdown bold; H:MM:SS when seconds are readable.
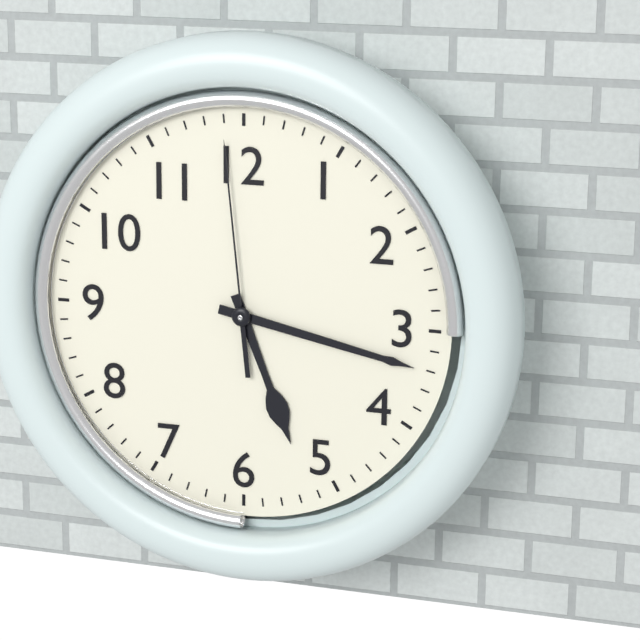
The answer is **5:17:59**
